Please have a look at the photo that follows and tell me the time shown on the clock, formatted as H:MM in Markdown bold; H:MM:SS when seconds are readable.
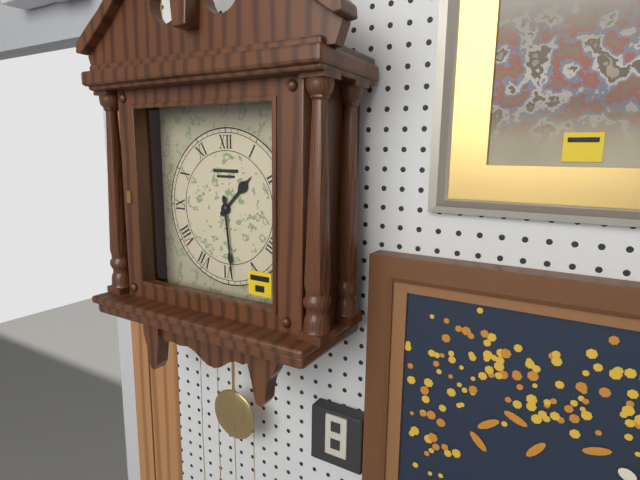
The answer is **1:29**
